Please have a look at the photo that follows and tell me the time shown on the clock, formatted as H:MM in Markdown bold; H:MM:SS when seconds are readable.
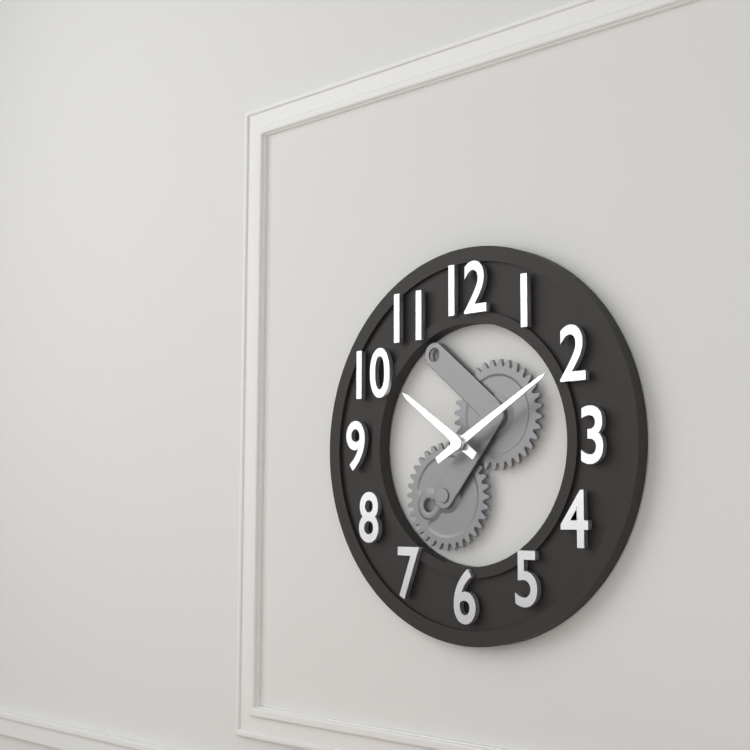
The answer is **10:10**
